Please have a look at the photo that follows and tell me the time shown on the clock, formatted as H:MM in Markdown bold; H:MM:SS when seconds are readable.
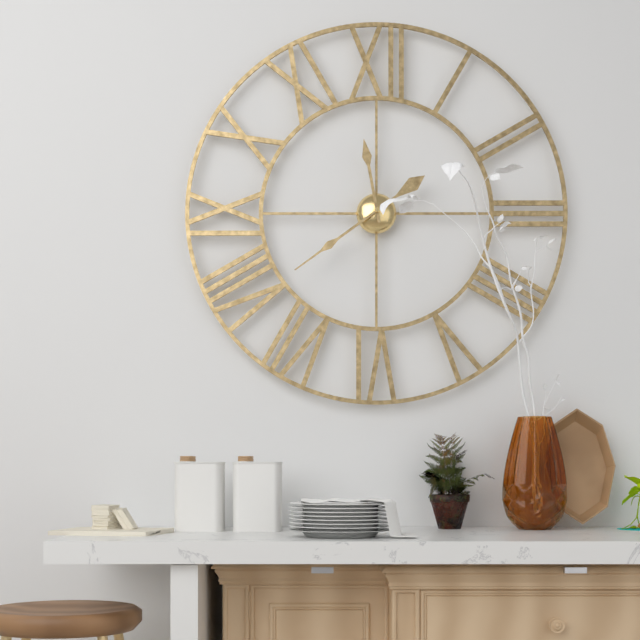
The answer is **11:39**
